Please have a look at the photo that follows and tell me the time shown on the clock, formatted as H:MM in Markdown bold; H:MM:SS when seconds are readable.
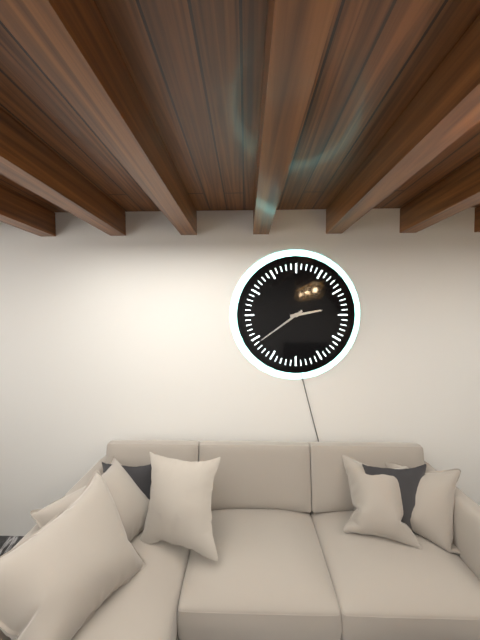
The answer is **2:39**
